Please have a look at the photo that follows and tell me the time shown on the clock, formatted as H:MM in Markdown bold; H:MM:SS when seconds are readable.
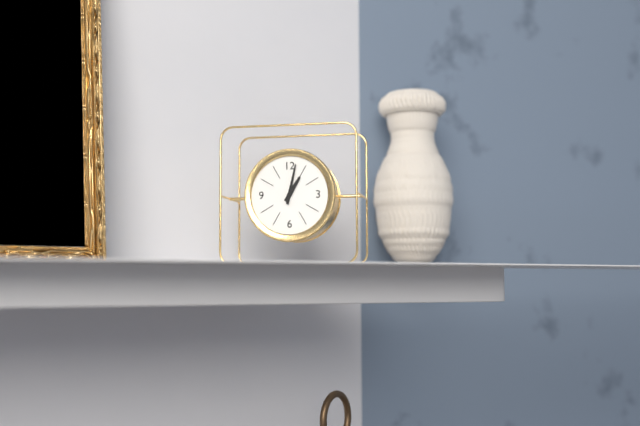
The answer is **1:02**
